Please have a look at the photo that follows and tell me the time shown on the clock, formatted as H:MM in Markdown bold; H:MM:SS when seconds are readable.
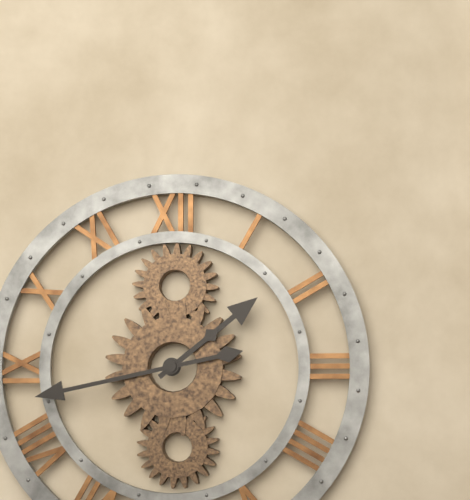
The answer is **1:43**
